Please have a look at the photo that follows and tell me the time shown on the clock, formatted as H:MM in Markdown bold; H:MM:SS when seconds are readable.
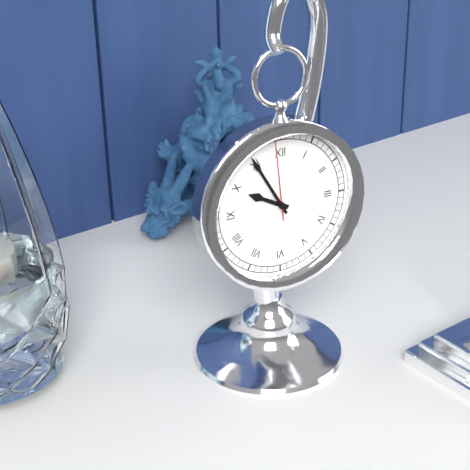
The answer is **9:55:59**
